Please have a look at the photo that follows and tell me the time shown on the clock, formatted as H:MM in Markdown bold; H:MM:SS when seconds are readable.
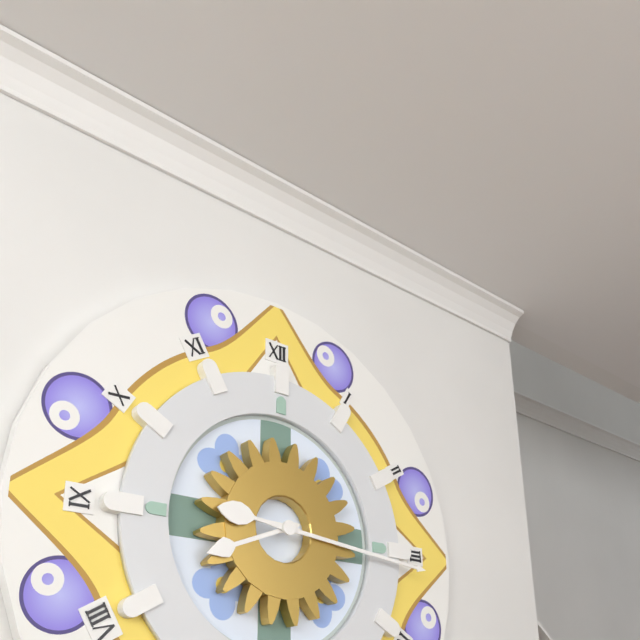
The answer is **8:16**
